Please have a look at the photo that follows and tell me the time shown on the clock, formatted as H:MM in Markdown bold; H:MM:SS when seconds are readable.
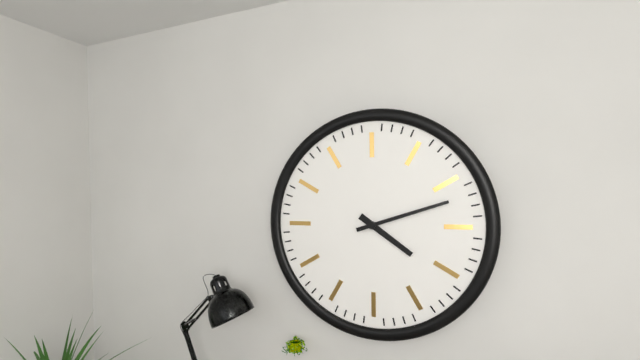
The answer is **4:12**
